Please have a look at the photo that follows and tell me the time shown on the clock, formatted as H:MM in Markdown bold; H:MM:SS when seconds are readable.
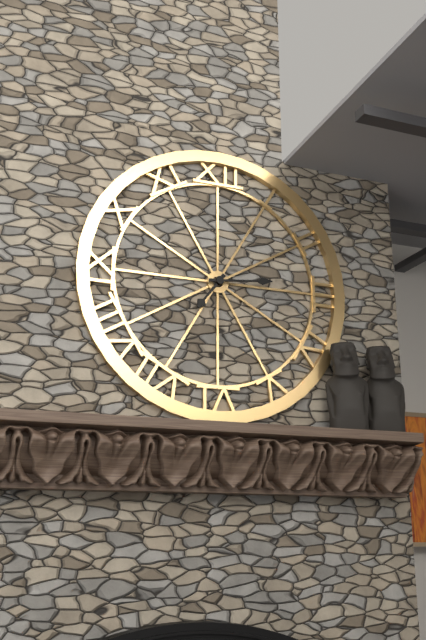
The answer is **7:14**
